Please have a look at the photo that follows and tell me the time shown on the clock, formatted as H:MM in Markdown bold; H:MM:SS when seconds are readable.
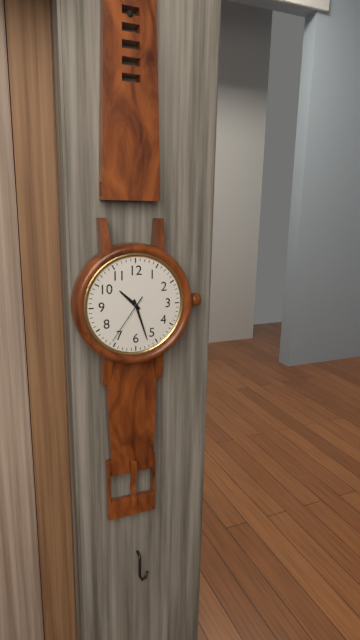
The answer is **10:27:36**
